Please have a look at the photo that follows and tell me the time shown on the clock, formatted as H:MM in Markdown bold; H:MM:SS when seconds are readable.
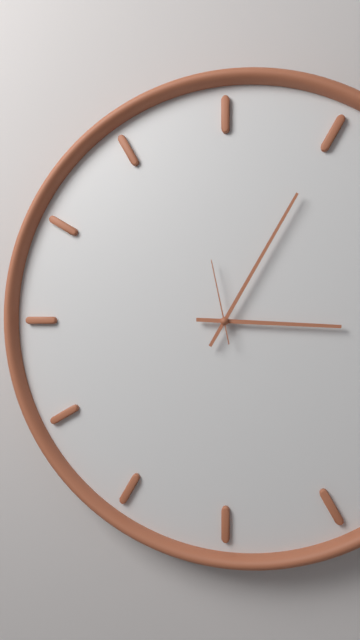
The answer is **3:05:58**
